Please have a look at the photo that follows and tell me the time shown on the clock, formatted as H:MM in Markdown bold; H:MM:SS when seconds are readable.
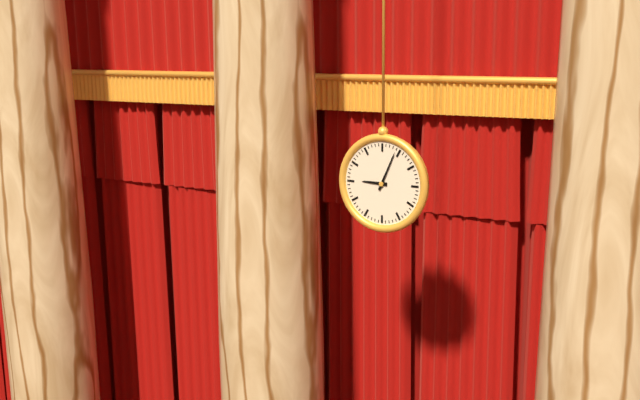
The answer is **9:04**
